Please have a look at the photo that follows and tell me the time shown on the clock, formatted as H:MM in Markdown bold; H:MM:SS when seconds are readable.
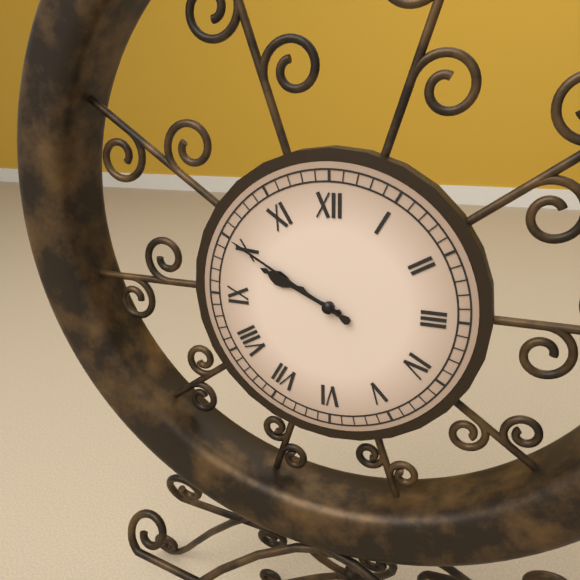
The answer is **9:50**
